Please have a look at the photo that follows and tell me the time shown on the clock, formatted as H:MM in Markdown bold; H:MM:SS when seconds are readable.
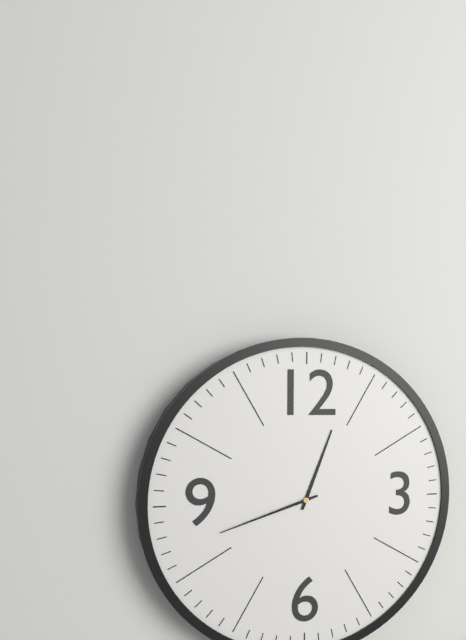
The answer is **12:42**
